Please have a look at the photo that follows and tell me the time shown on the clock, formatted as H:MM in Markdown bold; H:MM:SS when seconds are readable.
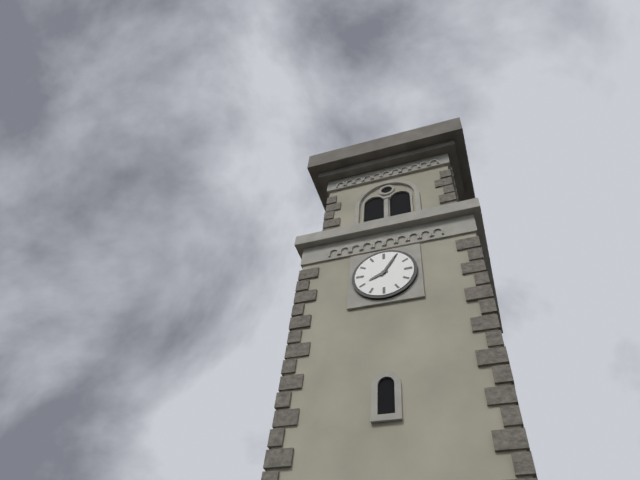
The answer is **8:05**
